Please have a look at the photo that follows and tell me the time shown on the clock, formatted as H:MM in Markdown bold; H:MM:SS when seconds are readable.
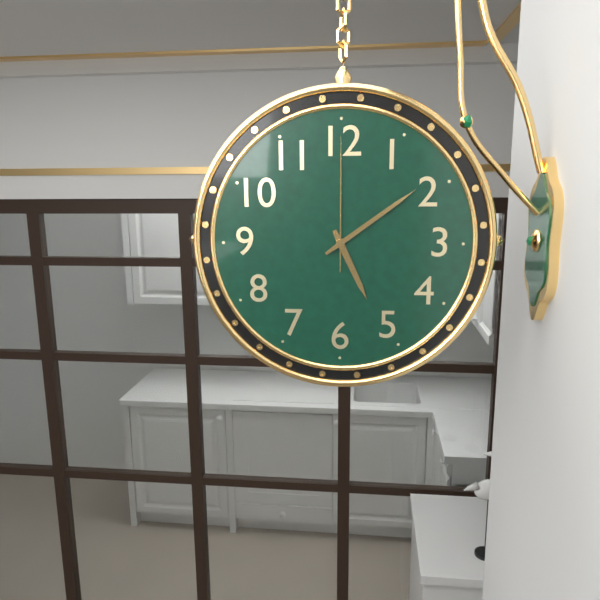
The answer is **5:09:00**
